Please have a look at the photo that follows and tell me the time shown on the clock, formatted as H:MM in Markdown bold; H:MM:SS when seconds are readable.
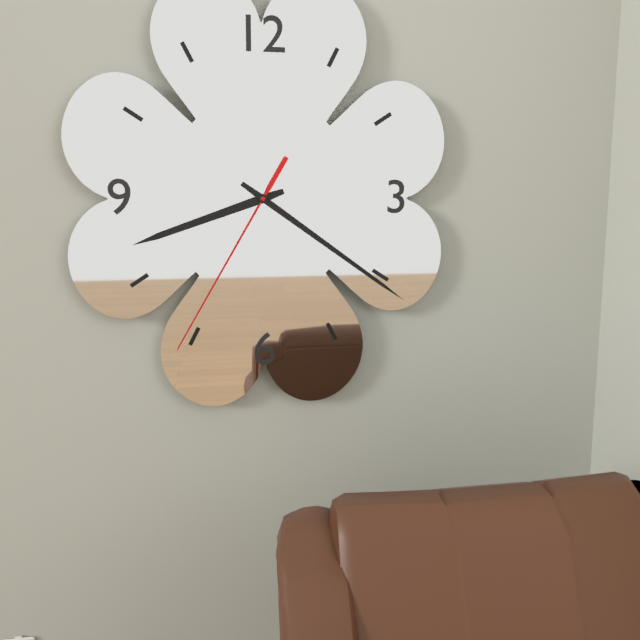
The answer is **8:21:35**
